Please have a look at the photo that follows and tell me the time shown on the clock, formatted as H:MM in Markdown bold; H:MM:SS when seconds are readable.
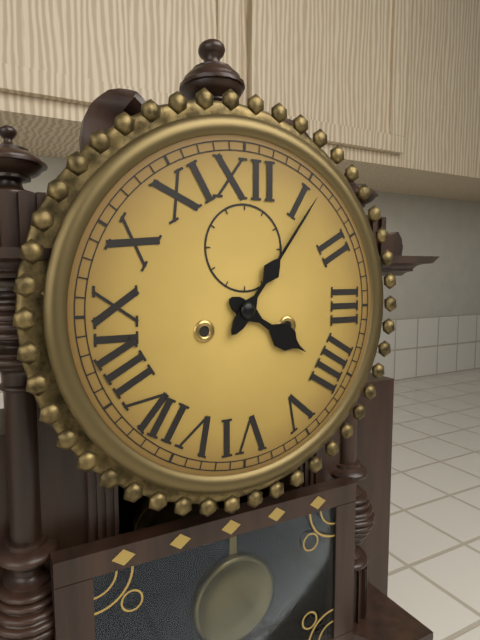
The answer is **4:06**
